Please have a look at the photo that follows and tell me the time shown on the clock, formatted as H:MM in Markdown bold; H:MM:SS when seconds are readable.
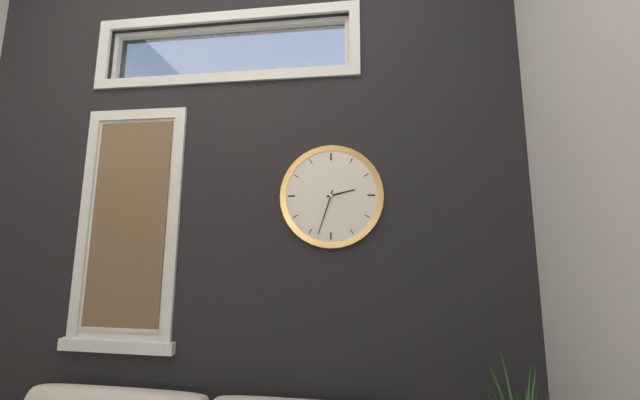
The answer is **2:33**
